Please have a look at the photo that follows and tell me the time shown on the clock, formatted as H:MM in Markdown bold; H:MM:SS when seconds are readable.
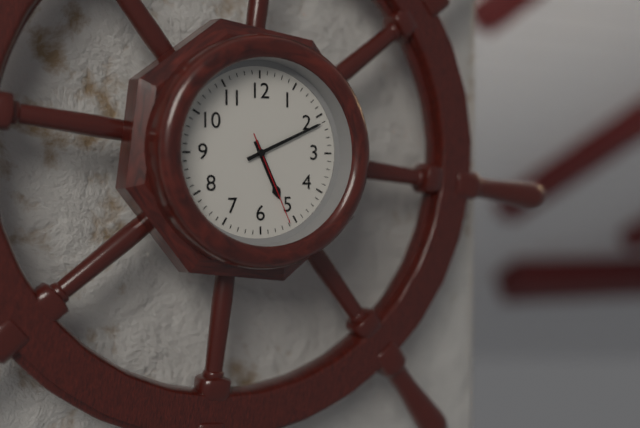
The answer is **5:11:26**
